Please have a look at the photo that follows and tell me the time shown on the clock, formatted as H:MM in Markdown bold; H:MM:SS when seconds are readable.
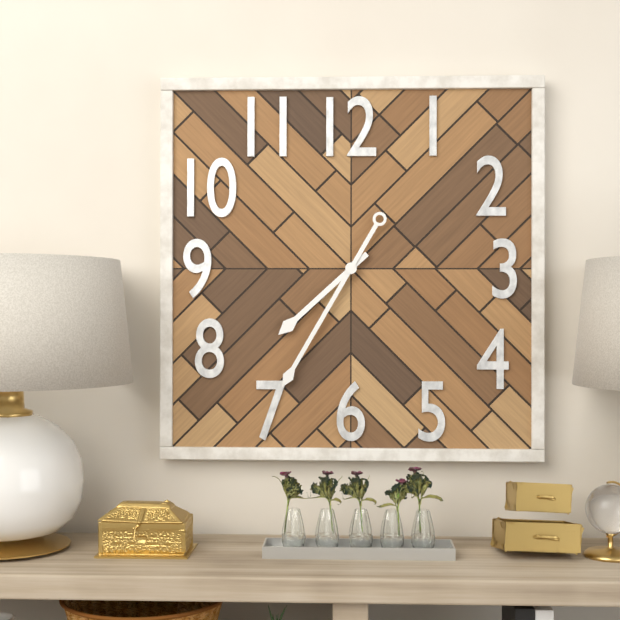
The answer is **7:35**
